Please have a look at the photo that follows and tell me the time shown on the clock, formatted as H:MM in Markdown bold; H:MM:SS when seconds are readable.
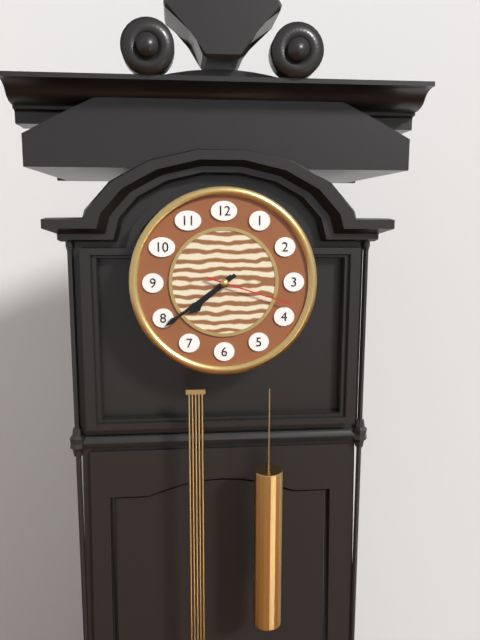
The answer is **7:39:18**
